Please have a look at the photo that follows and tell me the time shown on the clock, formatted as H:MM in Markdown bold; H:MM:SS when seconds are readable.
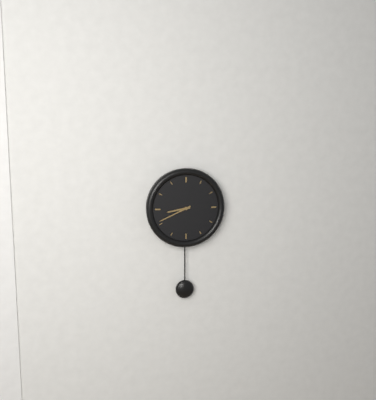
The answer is **8:41**
